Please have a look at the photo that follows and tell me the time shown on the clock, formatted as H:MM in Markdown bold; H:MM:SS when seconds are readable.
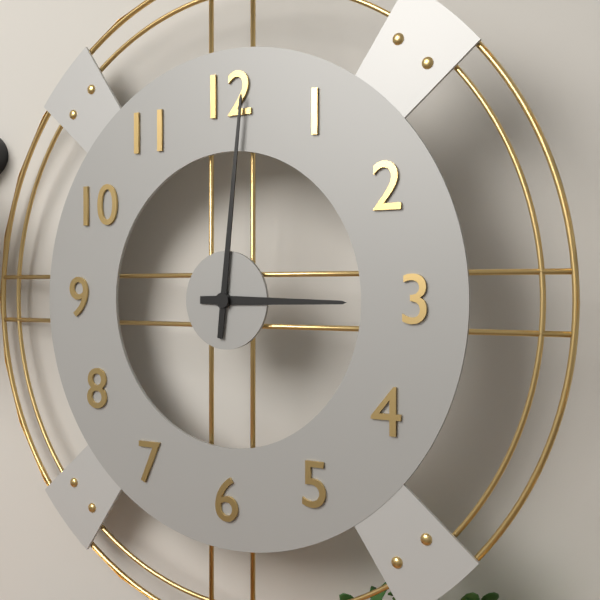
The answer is **3:01**
